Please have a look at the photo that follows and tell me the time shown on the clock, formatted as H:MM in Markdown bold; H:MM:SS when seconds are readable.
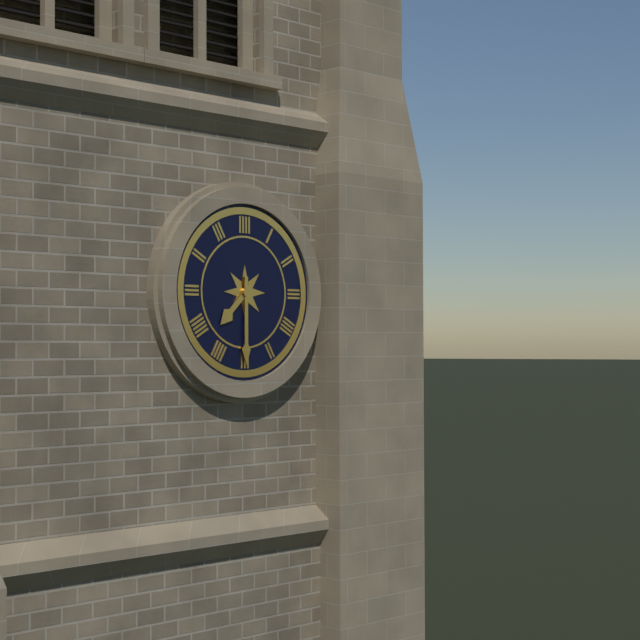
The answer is **7:30**
